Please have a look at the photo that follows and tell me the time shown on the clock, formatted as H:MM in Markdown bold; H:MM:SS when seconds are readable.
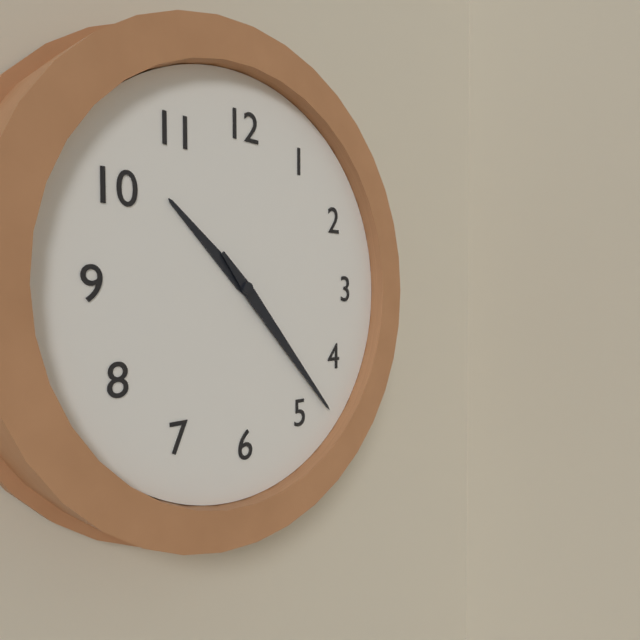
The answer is **10:23**
